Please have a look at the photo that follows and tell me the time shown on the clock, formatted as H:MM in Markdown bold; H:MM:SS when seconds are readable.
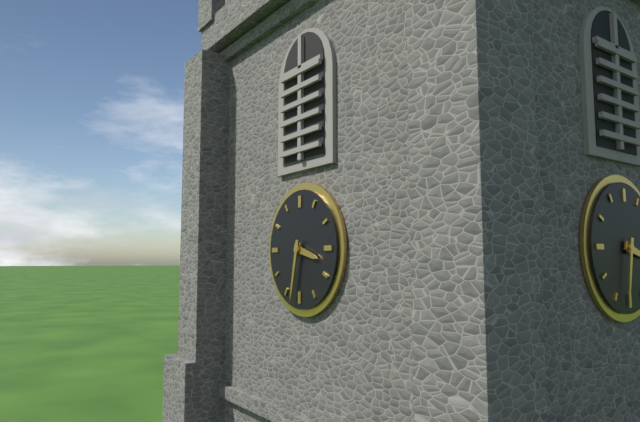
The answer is **3:32**
